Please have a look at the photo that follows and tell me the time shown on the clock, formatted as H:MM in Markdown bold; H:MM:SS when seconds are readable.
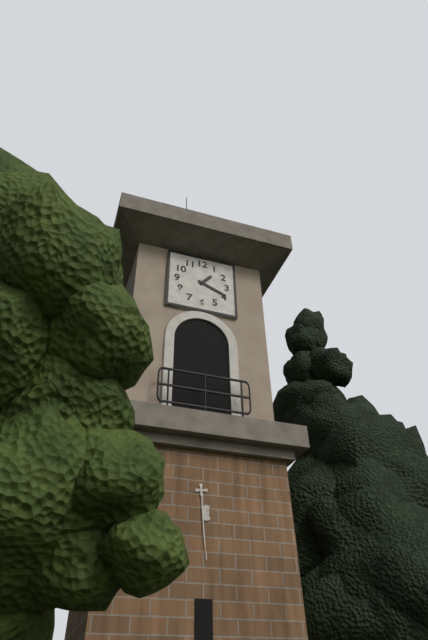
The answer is **1:19**
